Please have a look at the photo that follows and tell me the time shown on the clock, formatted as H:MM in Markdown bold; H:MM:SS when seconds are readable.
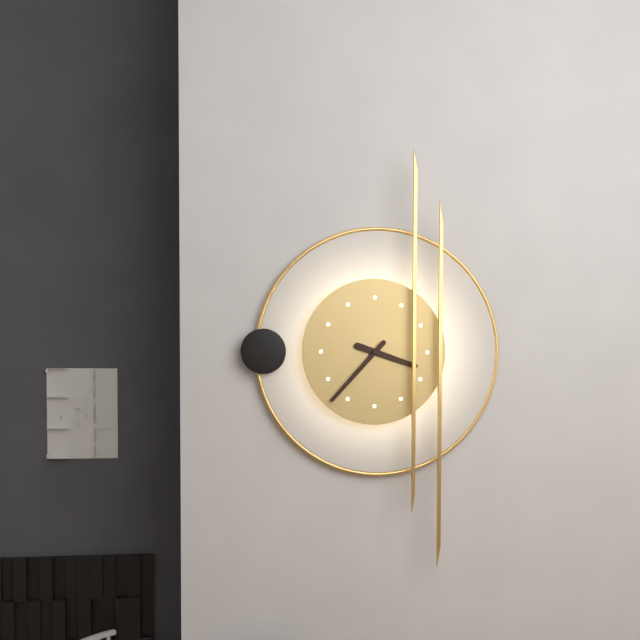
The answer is **3:37**
